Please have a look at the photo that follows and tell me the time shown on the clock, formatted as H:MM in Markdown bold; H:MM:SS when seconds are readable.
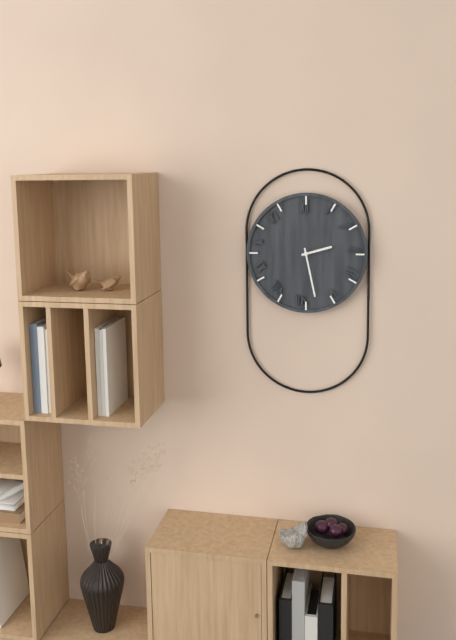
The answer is **2:28**
